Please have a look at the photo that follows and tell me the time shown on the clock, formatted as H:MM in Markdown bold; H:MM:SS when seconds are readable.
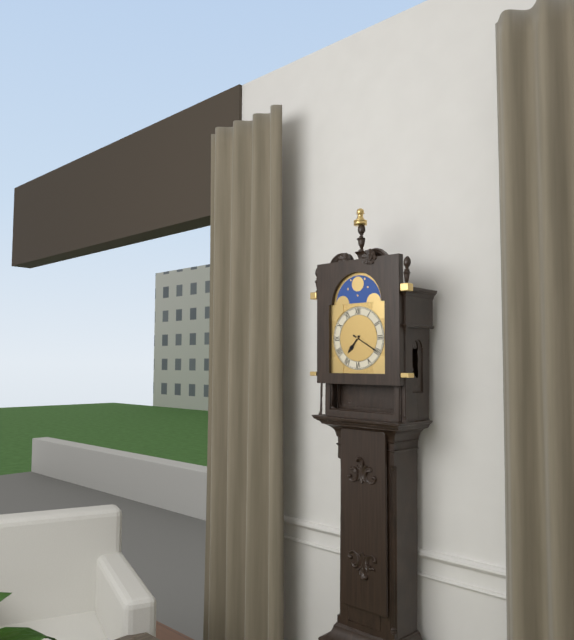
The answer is **7:20**
